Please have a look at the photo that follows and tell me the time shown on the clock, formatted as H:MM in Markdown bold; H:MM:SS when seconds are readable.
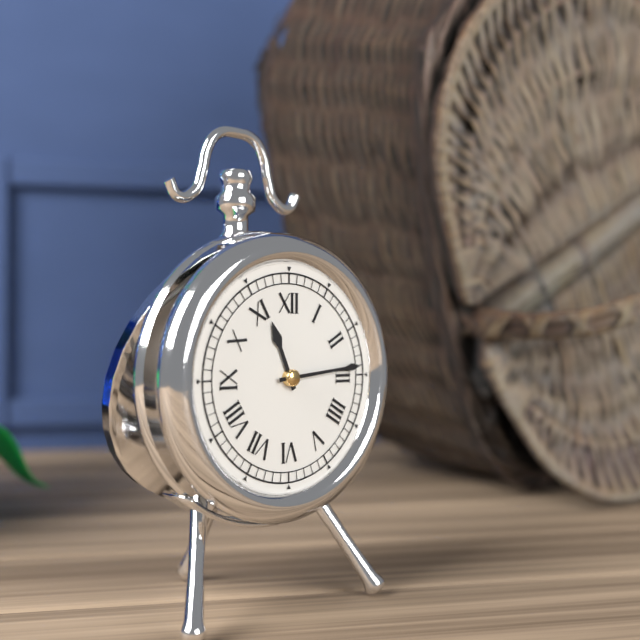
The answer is **11:14**
